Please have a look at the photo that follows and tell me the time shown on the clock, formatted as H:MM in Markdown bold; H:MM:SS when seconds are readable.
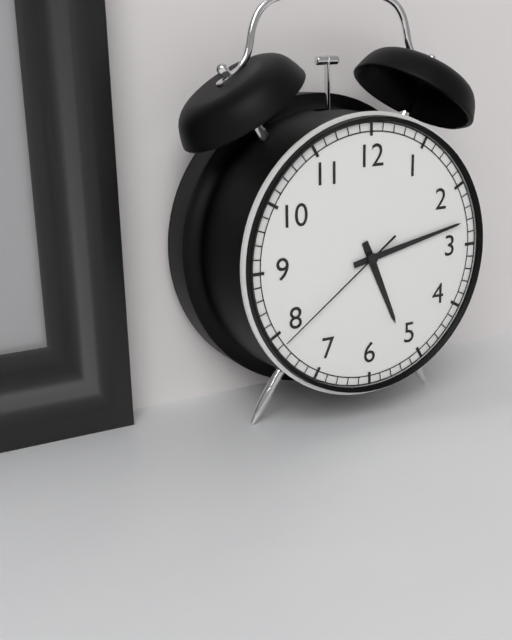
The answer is **5:13:39**
